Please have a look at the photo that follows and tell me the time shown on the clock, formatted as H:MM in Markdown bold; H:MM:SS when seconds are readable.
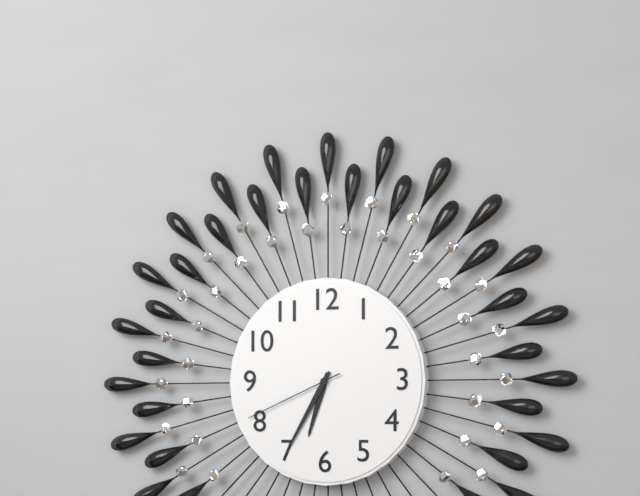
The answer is **6:35:41**
